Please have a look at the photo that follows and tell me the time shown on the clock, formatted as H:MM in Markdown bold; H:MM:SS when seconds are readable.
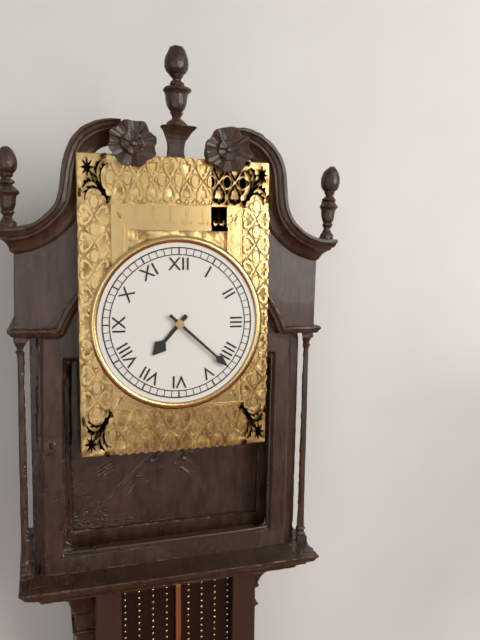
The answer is **7:22**
